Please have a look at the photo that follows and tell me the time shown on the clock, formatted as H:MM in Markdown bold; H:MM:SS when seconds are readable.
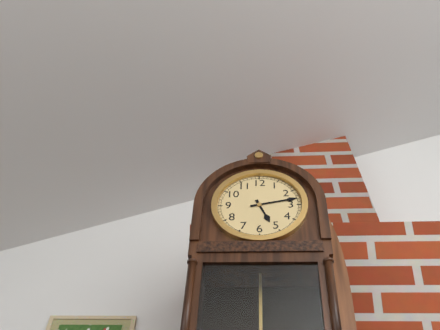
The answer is **5:13**
